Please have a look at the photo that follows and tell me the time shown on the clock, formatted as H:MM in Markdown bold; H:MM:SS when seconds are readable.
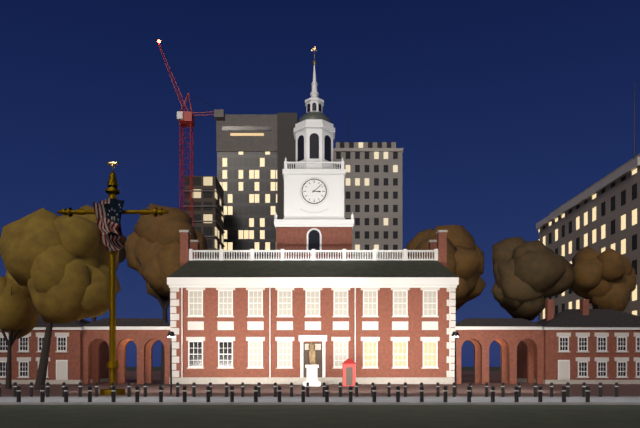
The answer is **3:08**
